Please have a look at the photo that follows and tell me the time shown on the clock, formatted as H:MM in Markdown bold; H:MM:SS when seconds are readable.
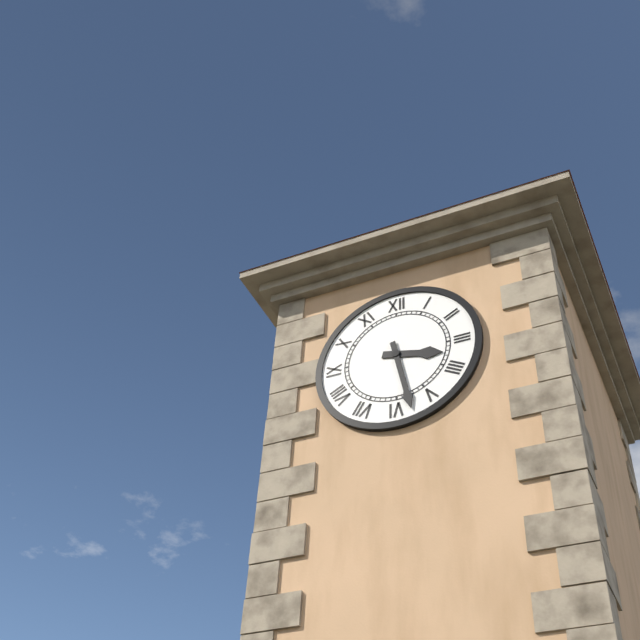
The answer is **3:28**
